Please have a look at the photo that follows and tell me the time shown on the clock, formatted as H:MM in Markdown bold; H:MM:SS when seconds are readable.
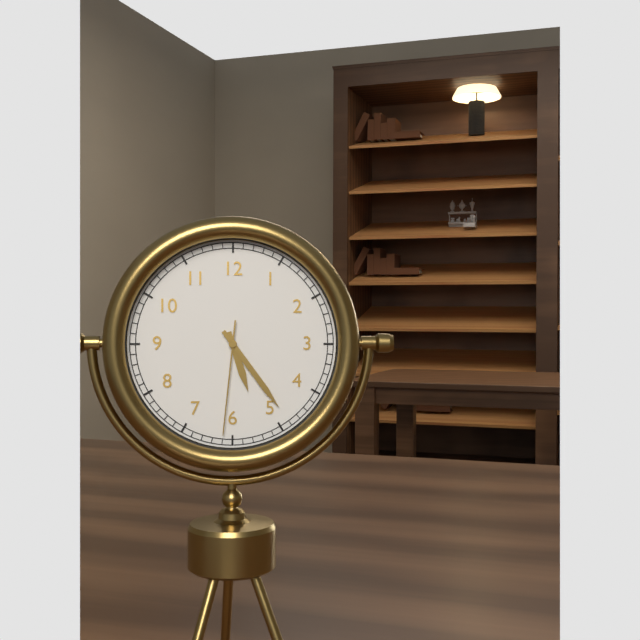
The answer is **5:24:31**
